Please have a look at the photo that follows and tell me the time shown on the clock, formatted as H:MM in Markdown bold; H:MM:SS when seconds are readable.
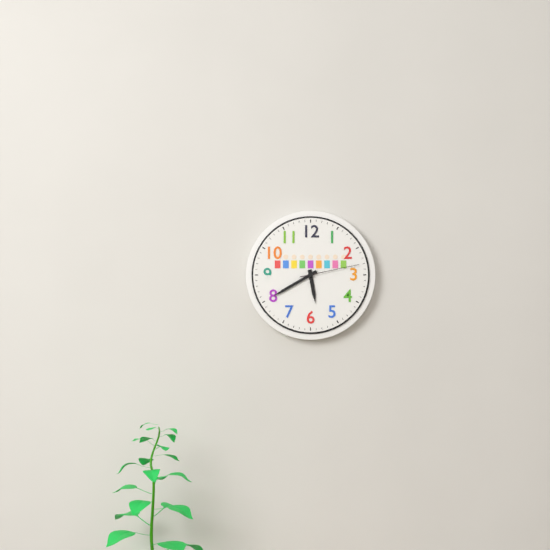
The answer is **5:40:13**
